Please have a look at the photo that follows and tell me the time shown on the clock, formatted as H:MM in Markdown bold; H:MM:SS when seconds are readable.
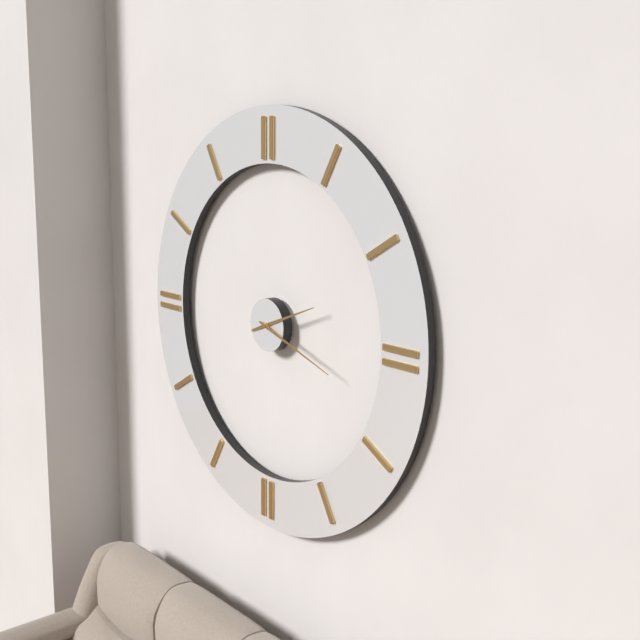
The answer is **2:18**
